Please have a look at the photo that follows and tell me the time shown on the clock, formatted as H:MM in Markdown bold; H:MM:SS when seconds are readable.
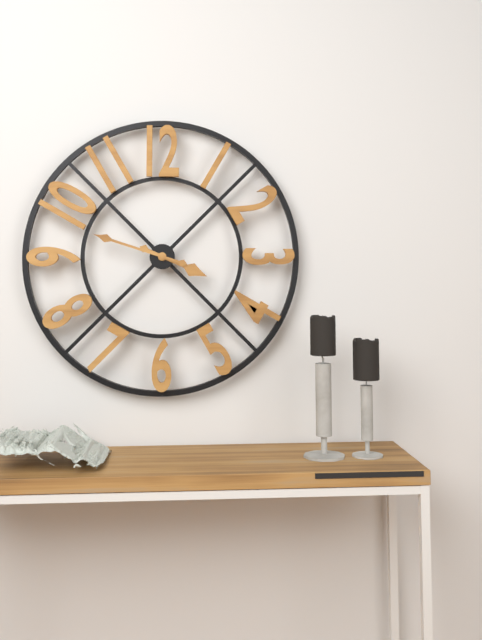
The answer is **3:48**
